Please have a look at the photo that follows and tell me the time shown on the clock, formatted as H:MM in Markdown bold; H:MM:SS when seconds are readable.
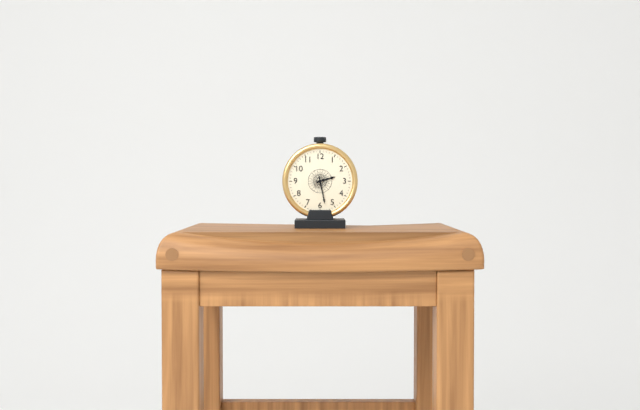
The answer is **2:28**
